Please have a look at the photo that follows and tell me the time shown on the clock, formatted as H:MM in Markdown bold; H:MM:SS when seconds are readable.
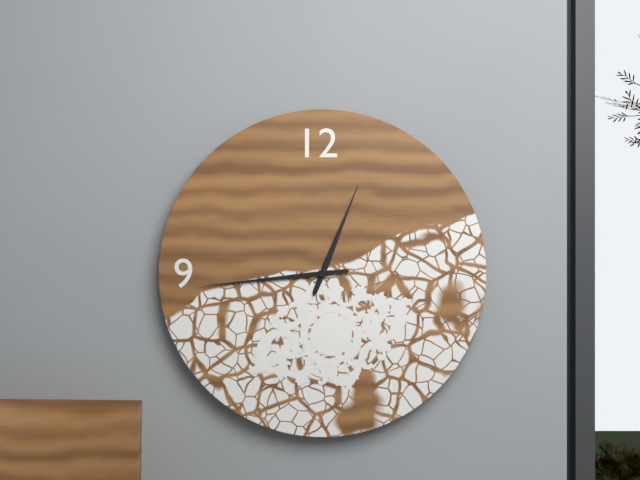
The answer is **12:44**
